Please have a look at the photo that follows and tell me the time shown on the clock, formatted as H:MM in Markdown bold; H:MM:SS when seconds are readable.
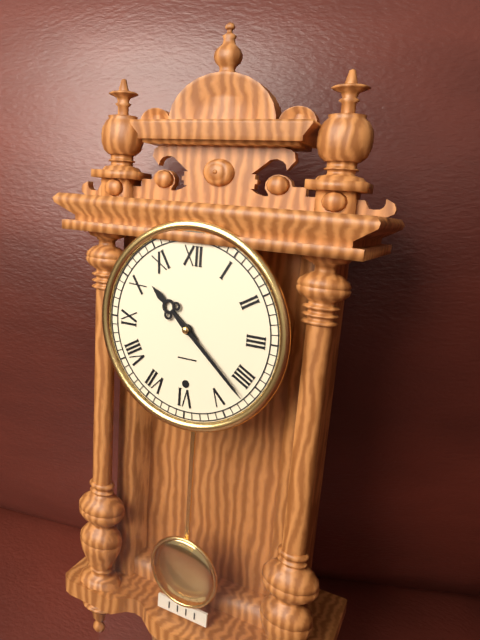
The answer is **10:22**
